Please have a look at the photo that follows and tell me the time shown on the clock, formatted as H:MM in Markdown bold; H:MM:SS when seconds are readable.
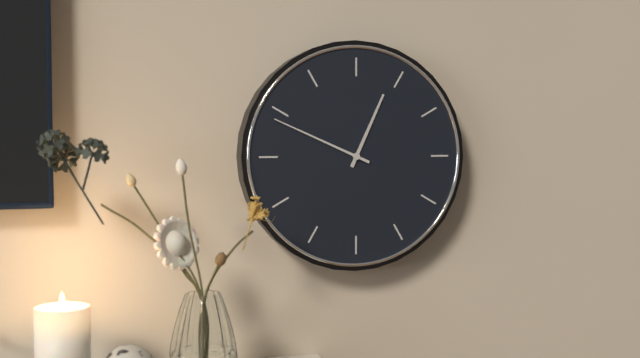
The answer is **12:49**
